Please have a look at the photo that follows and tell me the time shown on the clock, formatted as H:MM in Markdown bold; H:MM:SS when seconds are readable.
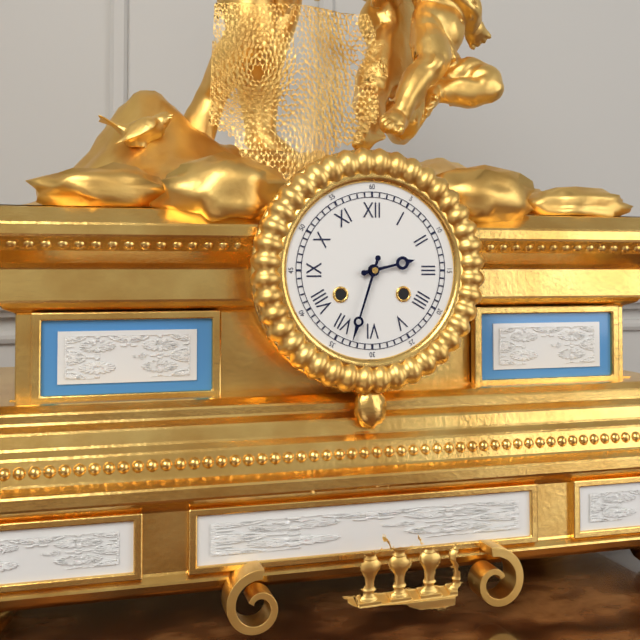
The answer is **2:33**
